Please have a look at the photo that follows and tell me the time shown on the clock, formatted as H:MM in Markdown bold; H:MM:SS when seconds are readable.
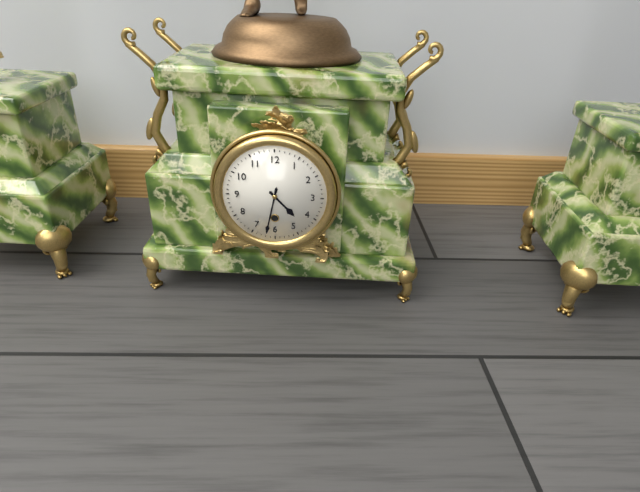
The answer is **4:32**
